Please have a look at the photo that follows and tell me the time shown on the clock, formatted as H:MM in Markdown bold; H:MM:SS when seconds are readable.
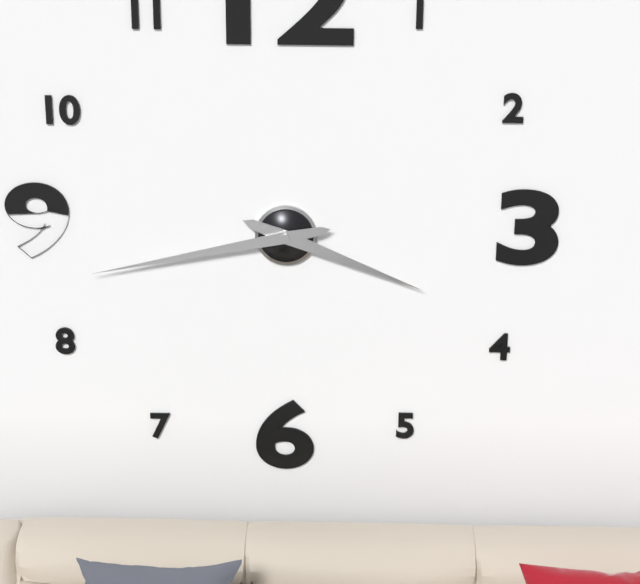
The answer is **3:43**
